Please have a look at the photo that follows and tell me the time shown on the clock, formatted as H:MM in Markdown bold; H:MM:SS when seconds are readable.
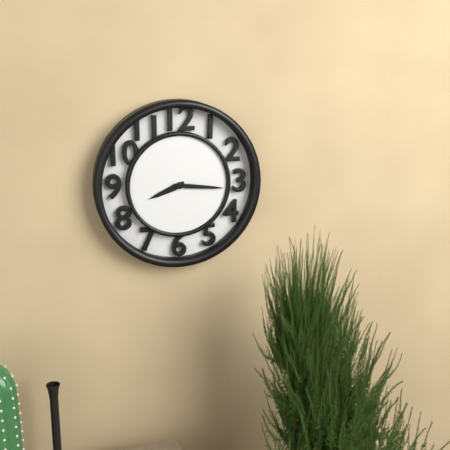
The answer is **8:16**
